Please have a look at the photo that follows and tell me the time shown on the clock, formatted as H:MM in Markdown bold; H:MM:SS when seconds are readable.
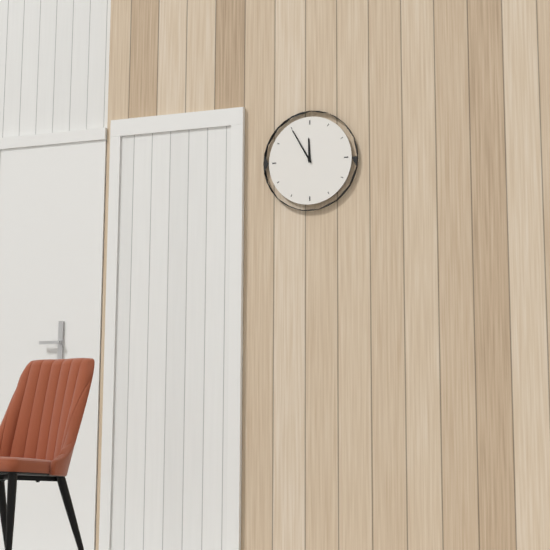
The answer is **11:55**
